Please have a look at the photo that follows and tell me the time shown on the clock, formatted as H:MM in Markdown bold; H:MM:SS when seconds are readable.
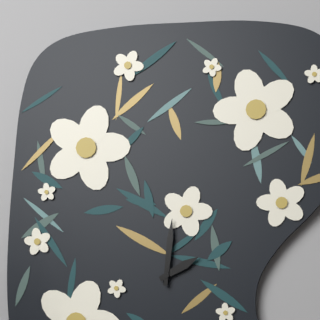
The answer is **2:01**
